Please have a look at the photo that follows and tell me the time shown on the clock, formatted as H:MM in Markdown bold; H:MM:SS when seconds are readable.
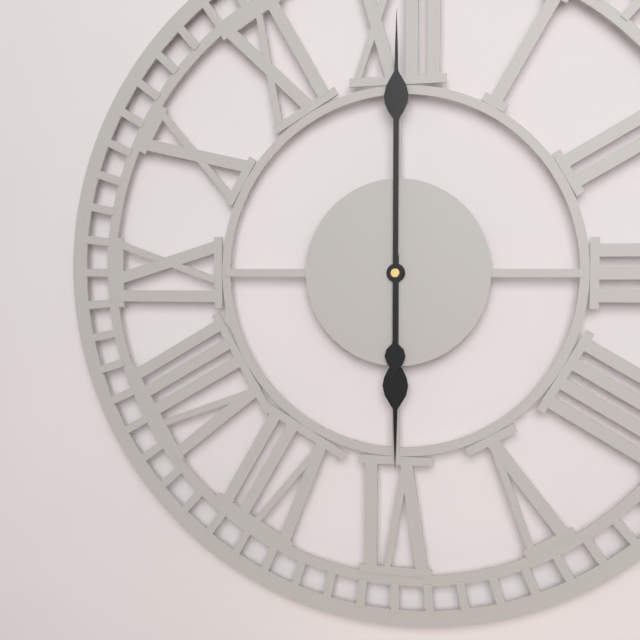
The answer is **6:00**
